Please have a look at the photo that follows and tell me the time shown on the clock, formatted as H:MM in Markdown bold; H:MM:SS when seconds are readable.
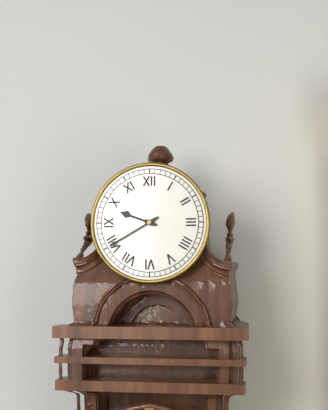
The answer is **9:40**
